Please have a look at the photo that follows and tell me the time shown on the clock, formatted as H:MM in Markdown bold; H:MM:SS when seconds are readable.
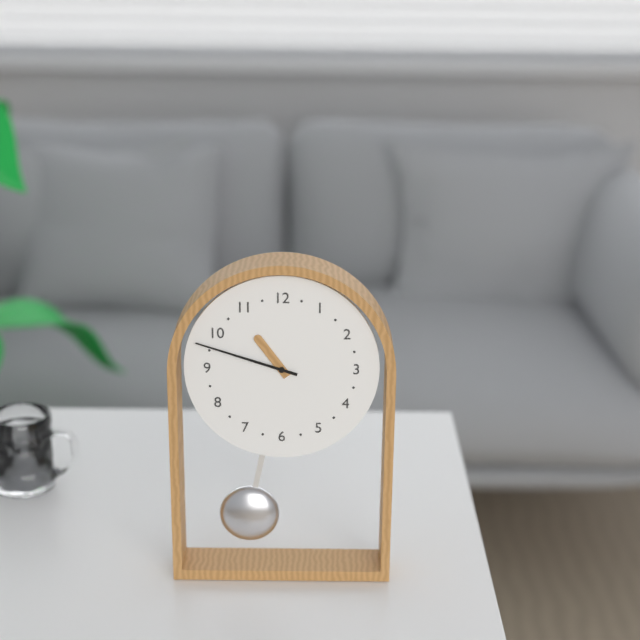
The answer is **10:48**
